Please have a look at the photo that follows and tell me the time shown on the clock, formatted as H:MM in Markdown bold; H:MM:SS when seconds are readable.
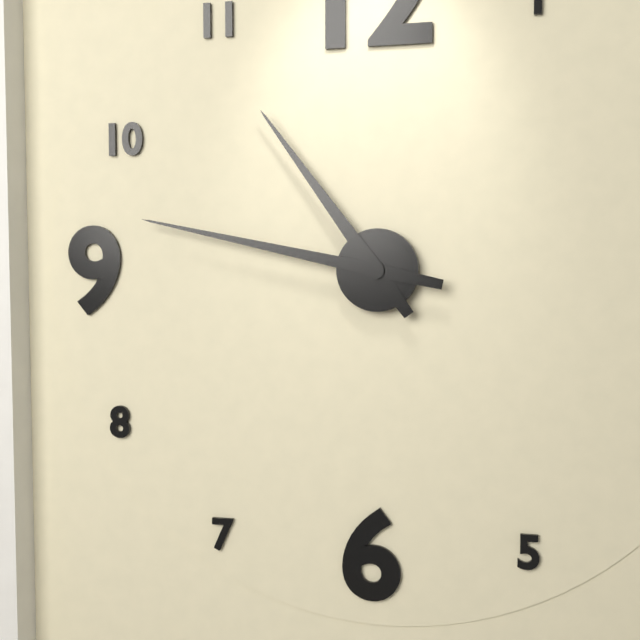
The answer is **10:47**
